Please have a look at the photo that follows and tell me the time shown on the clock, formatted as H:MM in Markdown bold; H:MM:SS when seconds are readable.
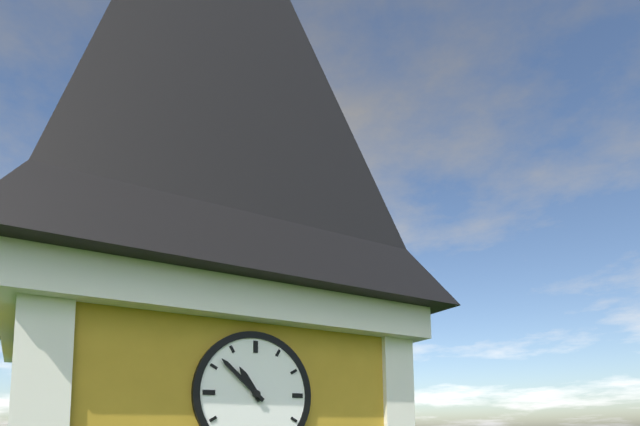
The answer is **10:52**
